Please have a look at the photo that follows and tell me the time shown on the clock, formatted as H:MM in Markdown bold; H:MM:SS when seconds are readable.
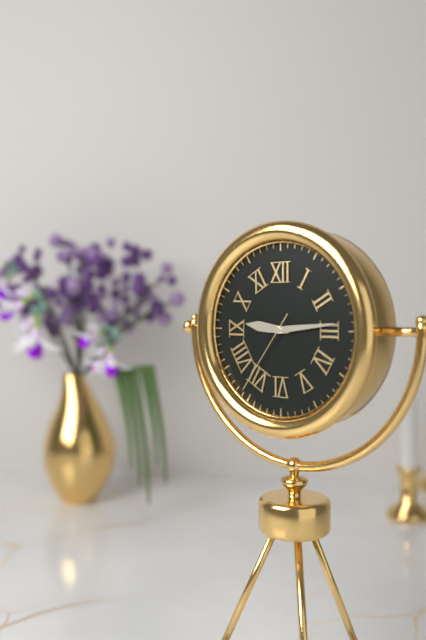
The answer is **9:14:36**
